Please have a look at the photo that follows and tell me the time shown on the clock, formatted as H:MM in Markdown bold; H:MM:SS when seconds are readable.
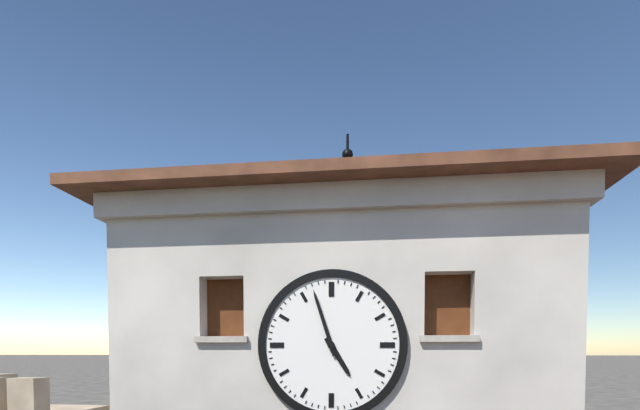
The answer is **4:57**
